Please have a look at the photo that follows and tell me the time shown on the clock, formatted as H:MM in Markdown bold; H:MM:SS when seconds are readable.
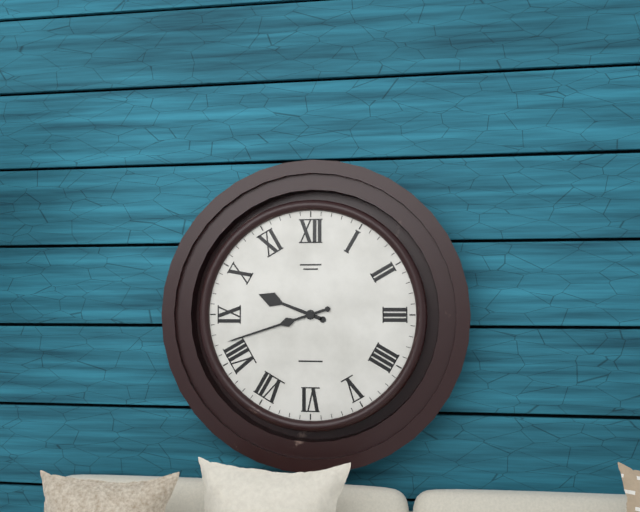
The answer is **9:42**
